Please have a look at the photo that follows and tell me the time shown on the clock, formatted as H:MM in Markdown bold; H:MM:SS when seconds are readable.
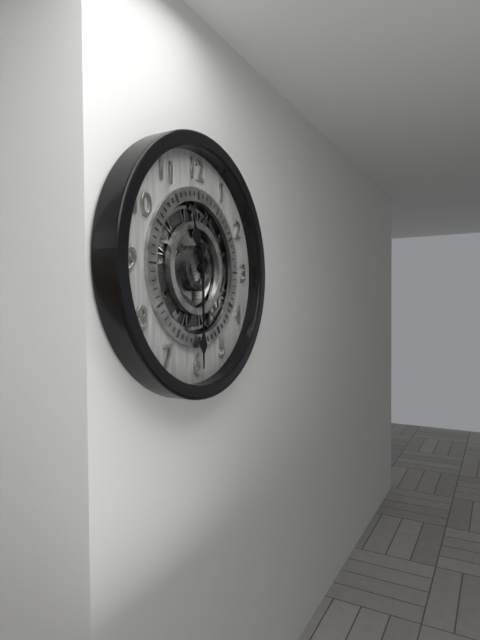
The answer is **11:30**
